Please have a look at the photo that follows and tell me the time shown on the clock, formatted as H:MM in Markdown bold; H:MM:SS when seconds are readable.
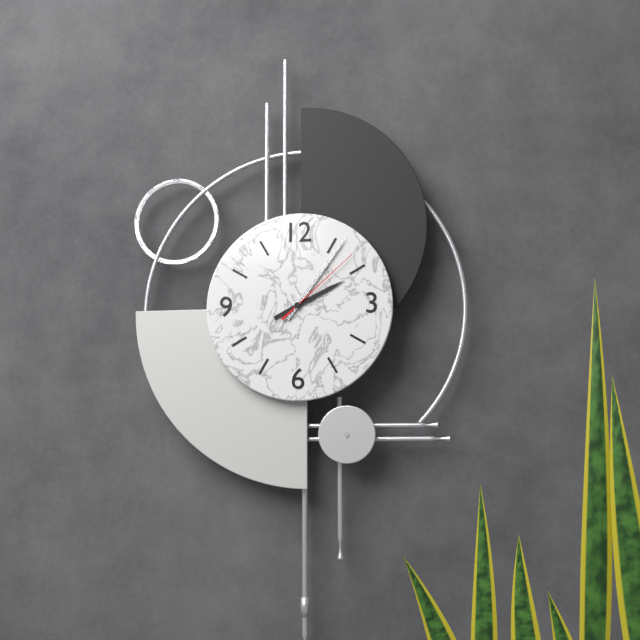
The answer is **2:06:08**
